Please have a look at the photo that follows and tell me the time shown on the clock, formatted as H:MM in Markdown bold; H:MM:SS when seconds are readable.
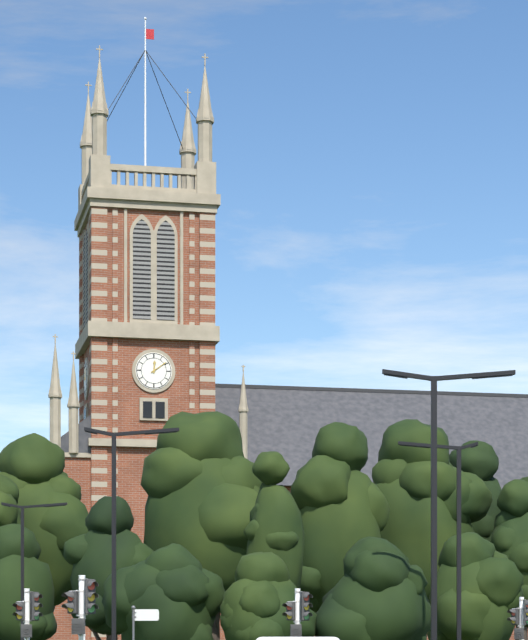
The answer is **12:09**
